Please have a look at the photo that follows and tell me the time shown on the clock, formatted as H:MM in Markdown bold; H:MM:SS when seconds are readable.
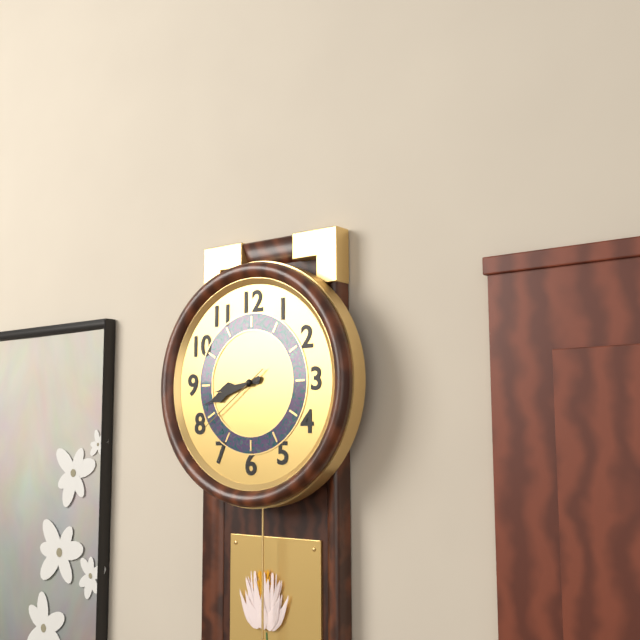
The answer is **8:42:39**
